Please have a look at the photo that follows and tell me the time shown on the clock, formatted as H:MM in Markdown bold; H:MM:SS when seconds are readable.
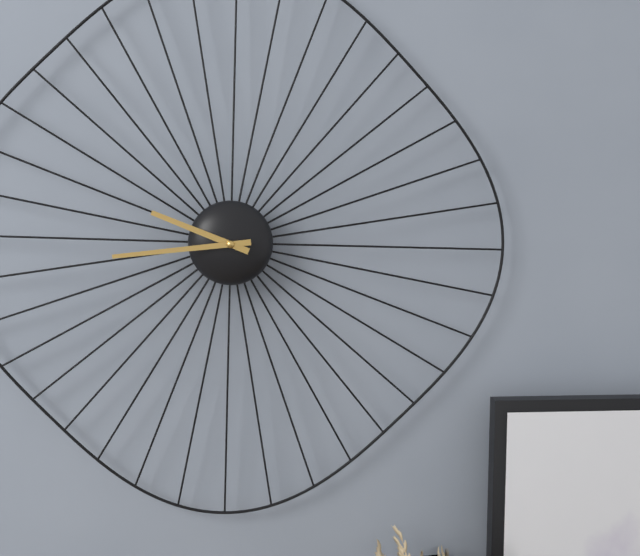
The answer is **9:44**
